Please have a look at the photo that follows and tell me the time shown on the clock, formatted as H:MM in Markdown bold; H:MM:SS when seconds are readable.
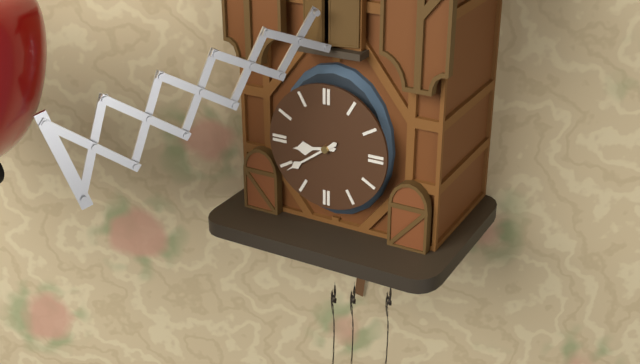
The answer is **8:39**
